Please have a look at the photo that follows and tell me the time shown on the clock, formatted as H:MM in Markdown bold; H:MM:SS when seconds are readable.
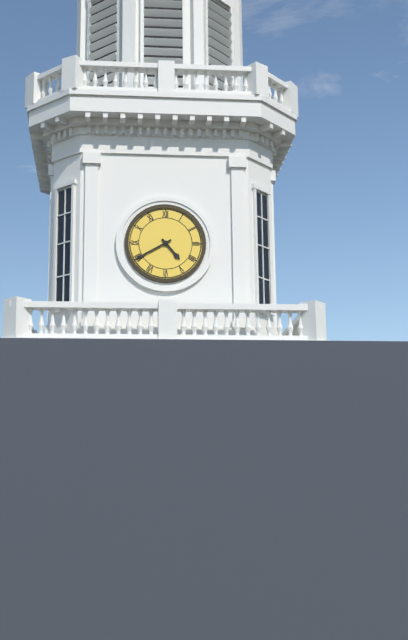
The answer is **4:40**
